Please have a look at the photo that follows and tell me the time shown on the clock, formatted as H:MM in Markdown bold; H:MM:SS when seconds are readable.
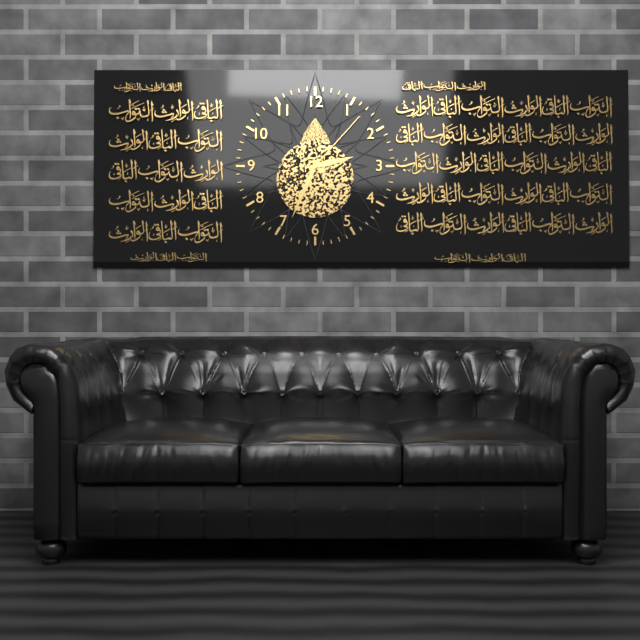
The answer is **2:34:07**
